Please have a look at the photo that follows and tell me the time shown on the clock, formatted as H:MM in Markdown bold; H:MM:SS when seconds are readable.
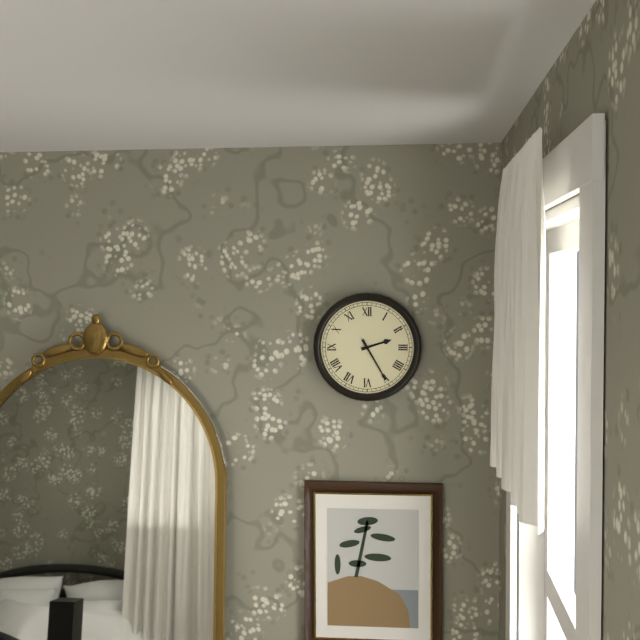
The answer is **2:25**
